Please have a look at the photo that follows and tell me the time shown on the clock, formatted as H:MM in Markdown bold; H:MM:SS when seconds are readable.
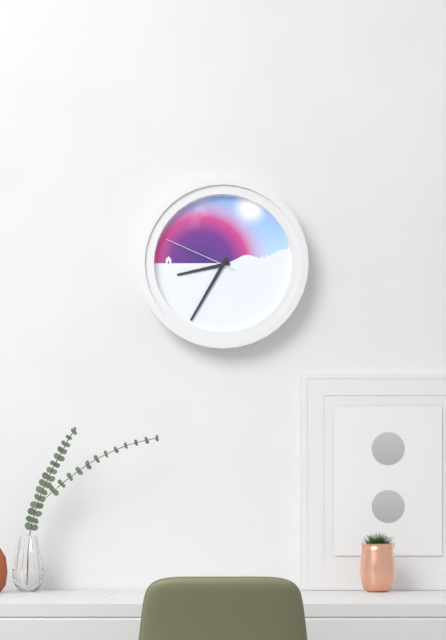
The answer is **8:35:49**
